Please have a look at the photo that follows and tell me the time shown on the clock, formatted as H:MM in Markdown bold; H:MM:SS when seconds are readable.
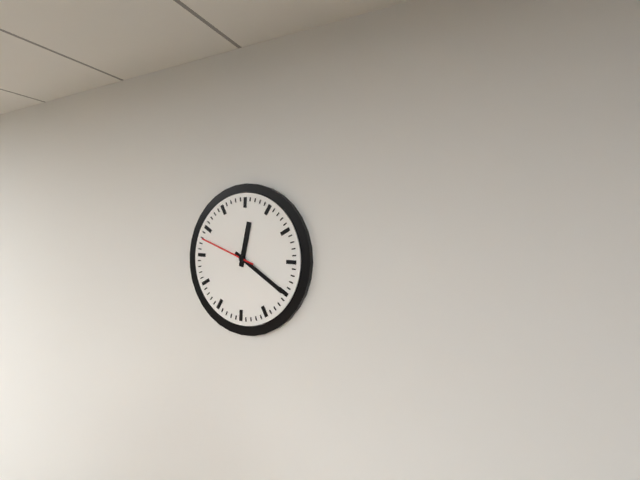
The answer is **12:20:48**
